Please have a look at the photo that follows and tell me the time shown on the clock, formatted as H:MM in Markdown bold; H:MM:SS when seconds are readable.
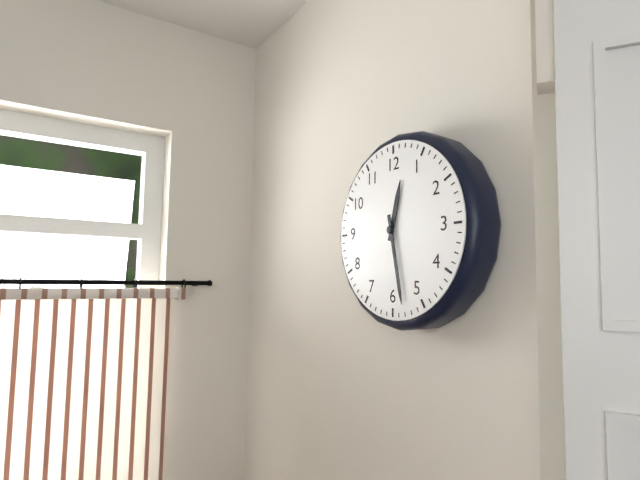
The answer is **12:28**
